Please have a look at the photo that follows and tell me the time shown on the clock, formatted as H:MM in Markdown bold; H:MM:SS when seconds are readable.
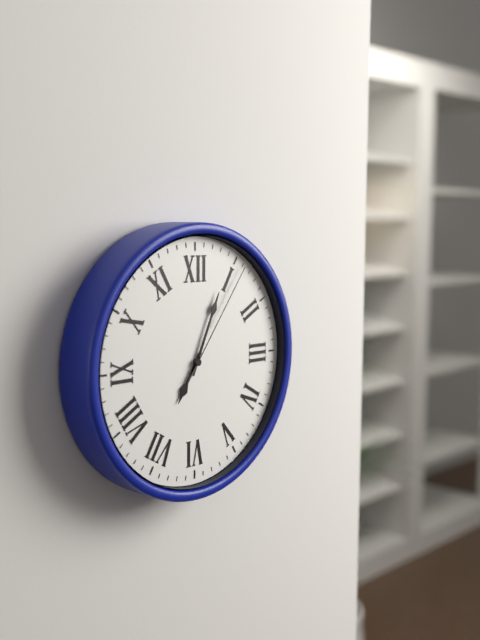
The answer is **7:04:06**
